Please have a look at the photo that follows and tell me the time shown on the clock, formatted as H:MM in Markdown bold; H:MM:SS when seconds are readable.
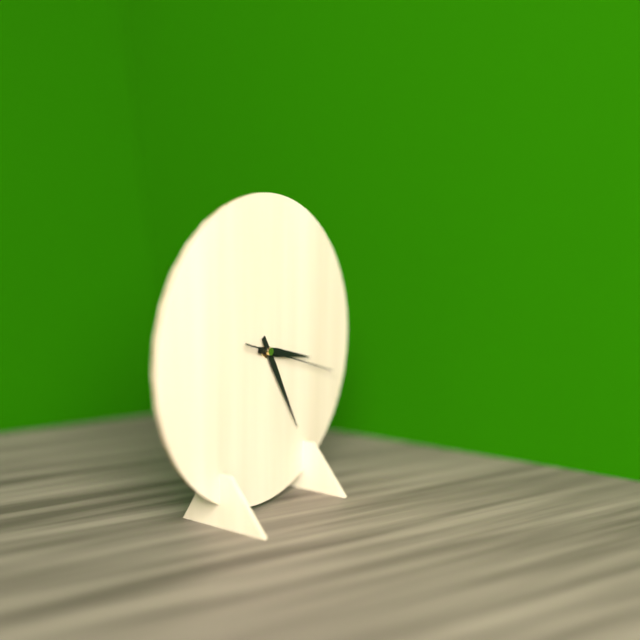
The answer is **3:25:18**
